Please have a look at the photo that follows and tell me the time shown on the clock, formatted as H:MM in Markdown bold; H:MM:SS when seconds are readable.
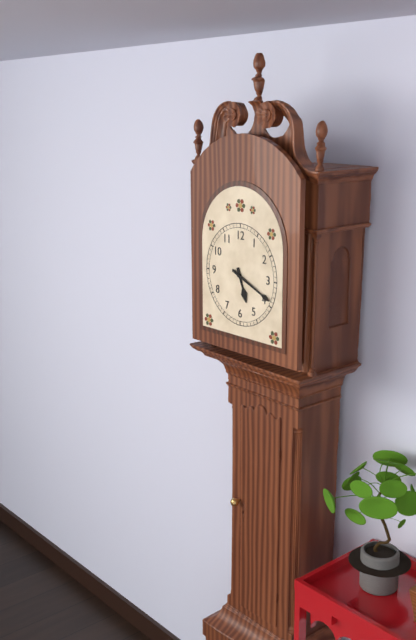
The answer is **5:19**
